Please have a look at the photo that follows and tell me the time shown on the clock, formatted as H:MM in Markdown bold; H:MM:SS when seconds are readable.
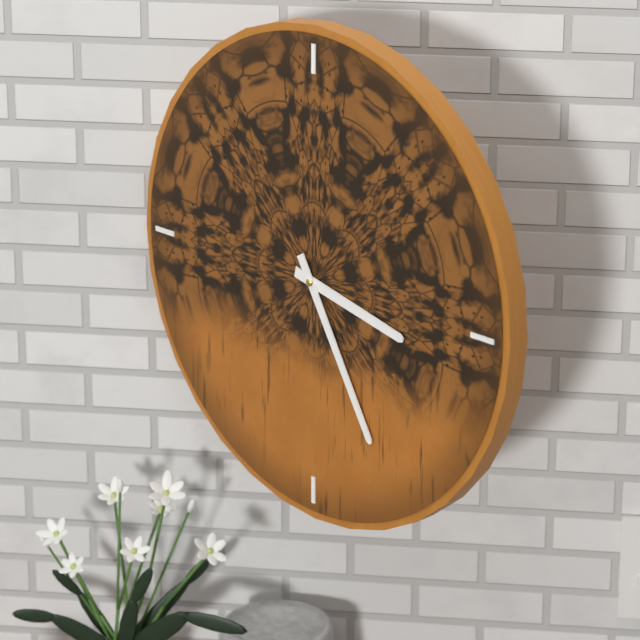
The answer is **3:25**
